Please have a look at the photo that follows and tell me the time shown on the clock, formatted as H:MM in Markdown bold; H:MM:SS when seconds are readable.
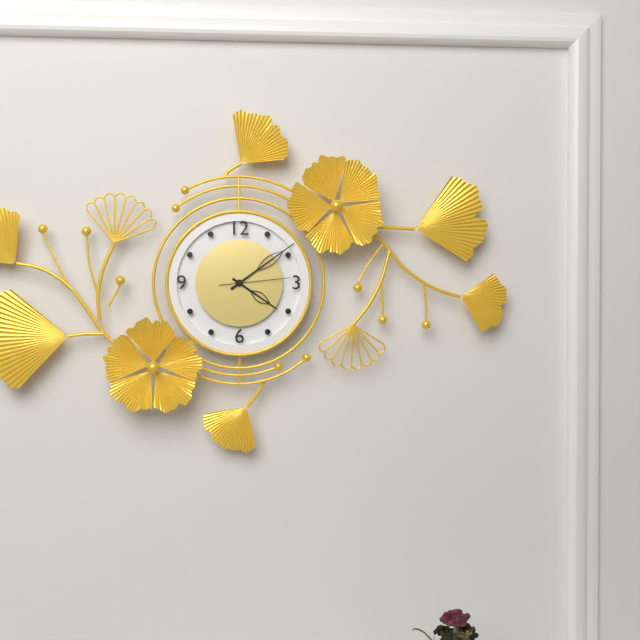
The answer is **4:09:14**
